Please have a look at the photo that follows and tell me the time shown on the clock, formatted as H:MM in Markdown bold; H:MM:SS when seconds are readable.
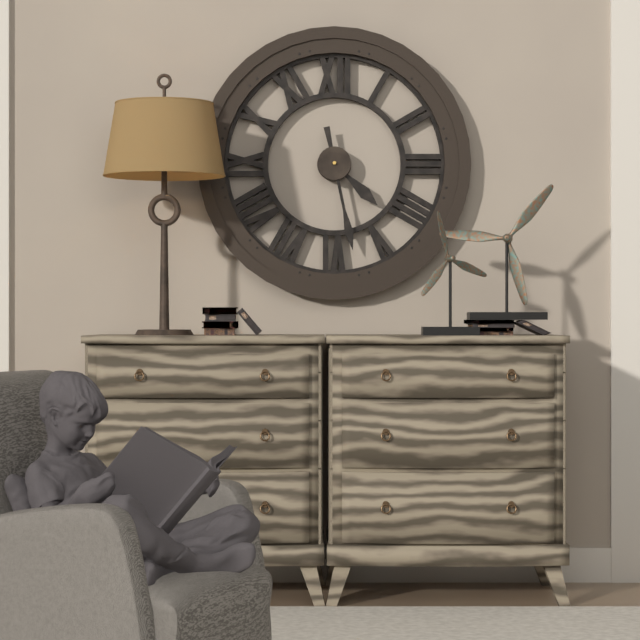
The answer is **4:28**
